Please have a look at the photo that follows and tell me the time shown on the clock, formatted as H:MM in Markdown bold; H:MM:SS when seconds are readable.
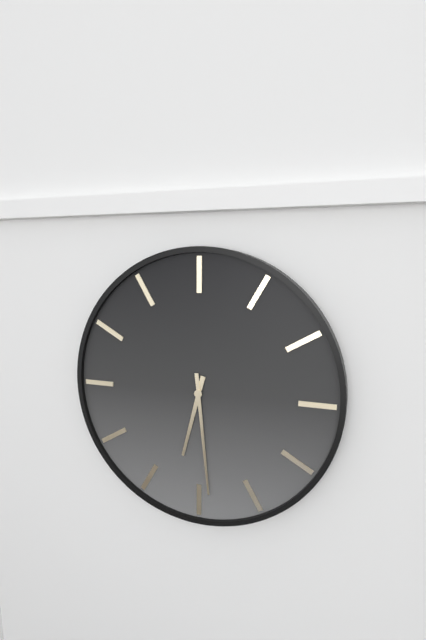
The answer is **6:29**
